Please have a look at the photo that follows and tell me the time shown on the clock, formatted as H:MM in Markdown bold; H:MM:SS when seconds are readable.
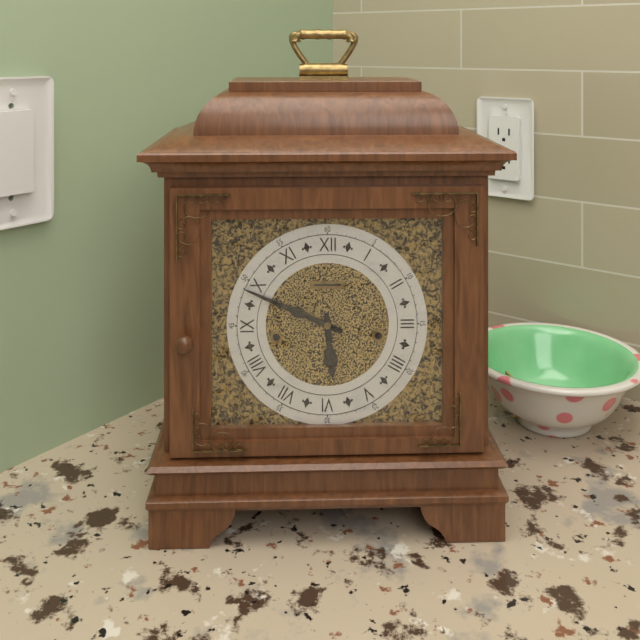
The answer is **5:49**
